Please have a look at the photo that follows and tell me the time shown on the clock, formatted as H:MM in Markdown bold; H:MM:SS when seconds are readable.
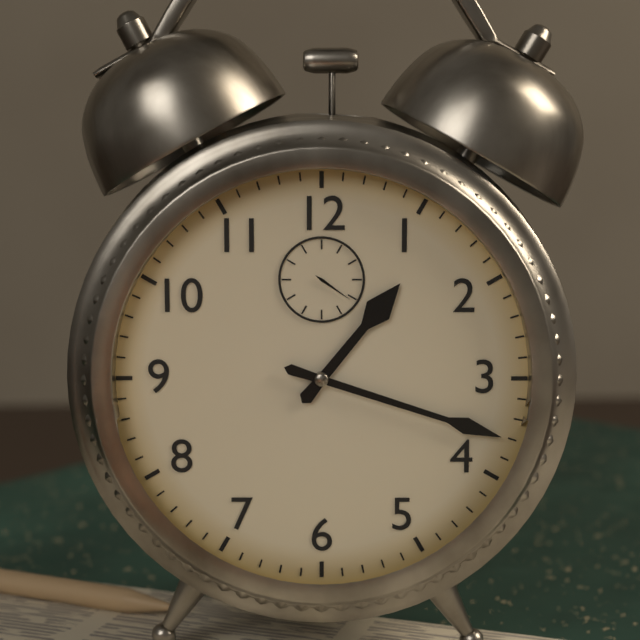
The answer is **1:18**
